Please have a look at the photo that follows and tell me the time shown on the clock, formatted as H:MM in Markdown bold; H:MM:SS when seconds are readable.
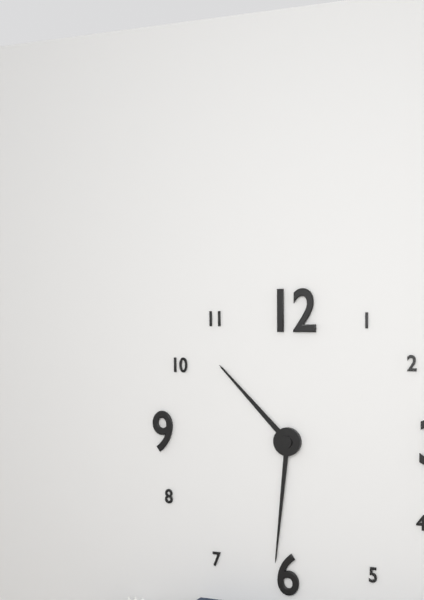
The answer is **10:31**
